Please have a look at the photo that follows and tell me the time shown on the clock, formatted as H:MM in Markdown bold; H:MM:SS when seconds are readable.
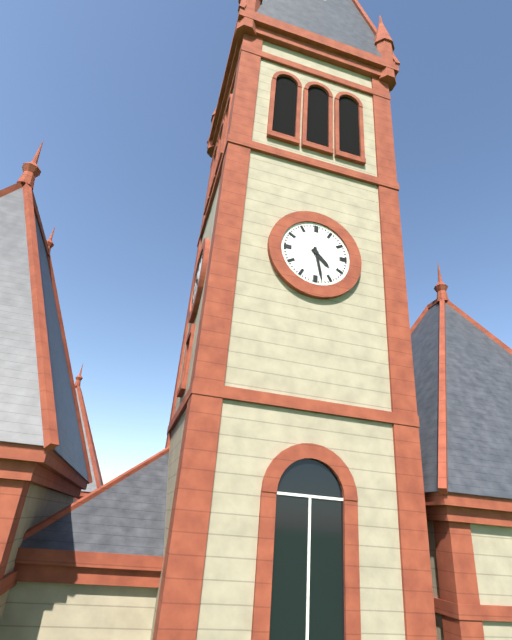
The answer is **4:28**
